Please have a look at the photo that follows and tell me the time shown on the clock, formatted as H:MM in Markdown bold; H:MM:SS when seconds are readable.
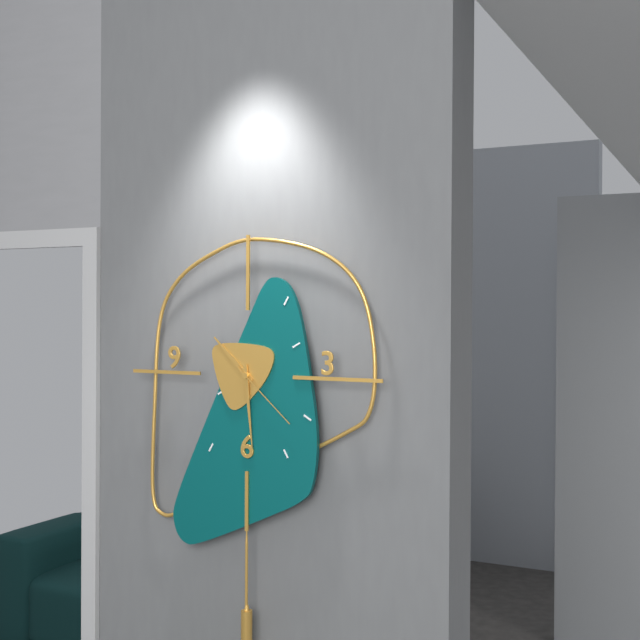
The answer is **10:29:22**
